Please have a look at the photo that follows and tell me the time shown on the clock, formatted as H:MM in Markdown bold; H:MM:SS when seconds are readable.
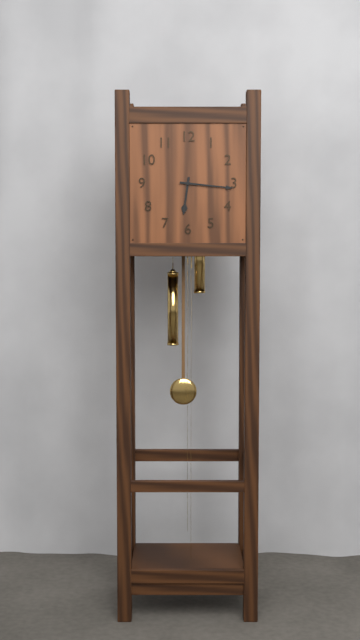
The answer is **6:16**
